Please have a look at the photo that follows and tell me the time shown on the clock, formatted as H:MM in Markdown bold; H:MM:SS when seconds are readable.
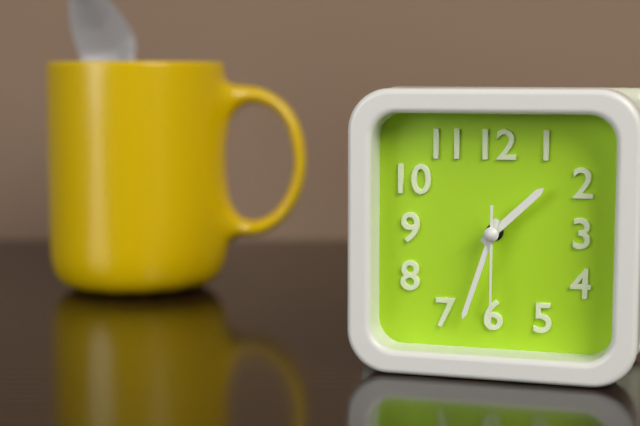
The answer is **1:33:30**
